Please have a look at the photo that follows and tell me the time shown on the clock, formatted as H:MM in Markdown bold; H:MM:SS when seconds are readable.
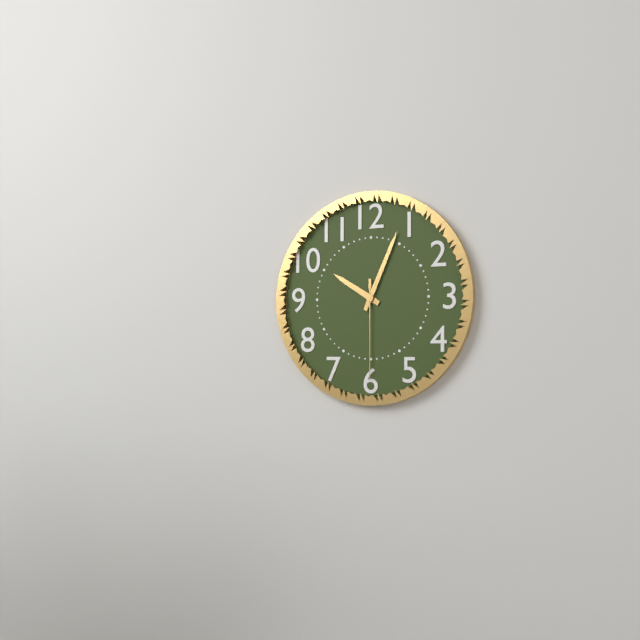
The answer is **10:04:30**
